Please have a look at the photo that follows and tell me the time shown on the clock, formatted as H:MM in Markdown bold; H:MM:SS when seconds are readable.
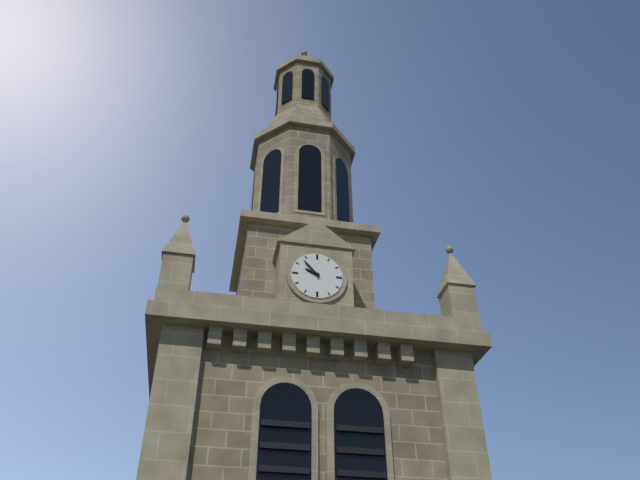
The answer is **9:53**
